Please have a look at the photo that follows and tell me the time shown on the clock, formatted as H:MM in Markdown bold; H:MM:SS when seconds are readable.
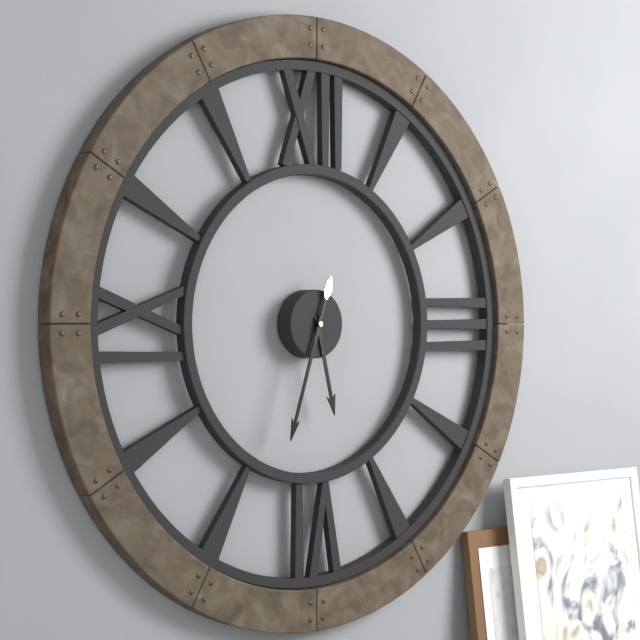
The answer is **5:33**
